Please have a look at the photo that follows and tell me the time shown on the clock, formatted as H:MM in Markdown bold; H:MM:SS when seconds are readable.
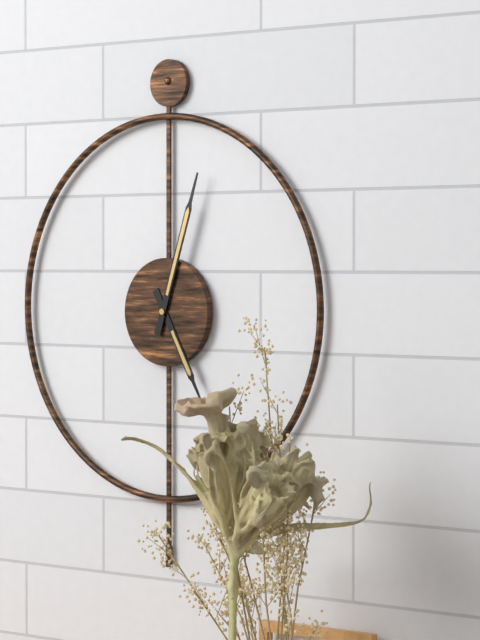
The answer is **5:03**
